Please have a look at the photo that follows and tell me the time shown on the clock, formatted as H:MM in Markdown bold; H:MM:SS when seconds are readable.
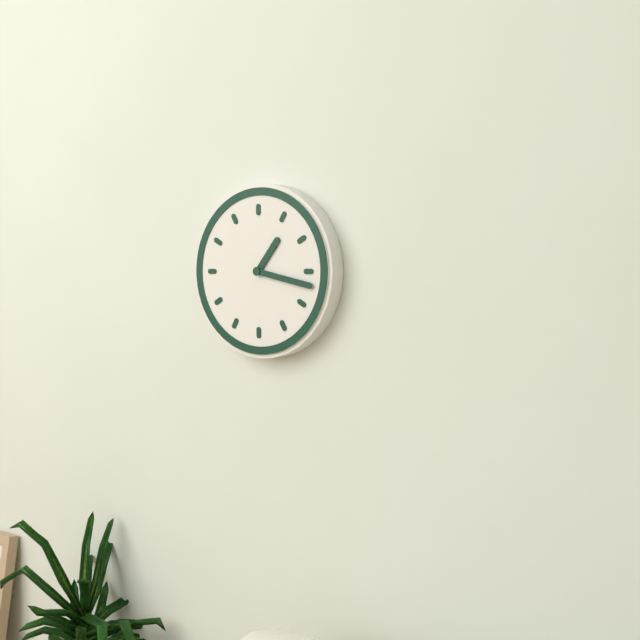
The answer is **1:17**
